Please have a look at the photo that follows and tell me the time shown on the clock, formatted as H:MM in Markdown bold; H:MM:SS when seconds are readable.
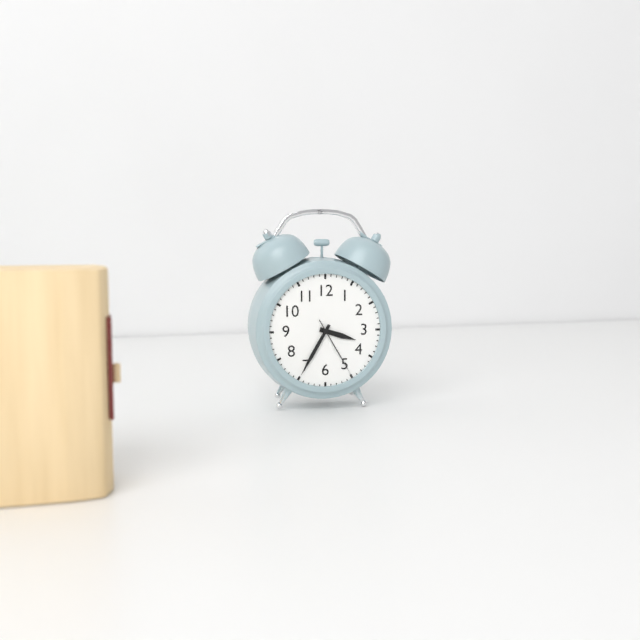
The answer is **3:35:25**
